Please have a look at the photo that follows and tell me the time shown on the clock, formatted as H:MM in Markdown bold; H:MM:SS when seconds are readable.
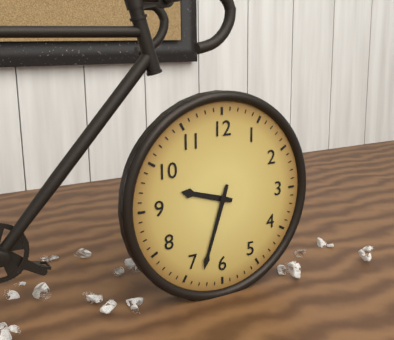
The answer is **9:33**
